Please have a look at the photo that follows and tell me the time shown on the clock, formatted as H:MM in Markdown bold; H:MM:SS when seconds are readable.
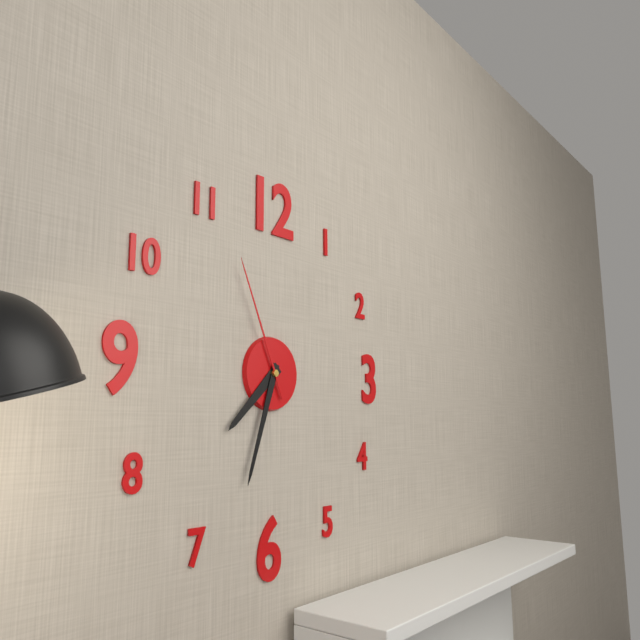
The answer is **7:33:56**
